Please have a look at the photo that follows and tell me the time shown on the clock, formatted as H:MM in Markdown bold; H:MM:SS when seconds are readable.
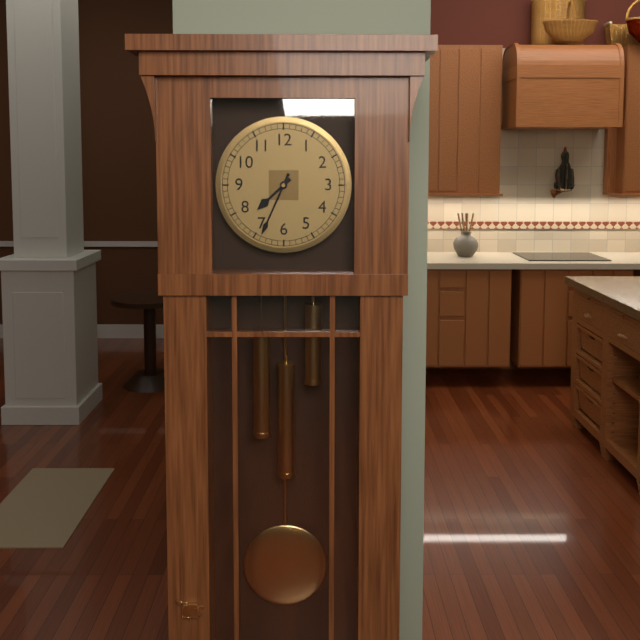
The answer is **7:34**
